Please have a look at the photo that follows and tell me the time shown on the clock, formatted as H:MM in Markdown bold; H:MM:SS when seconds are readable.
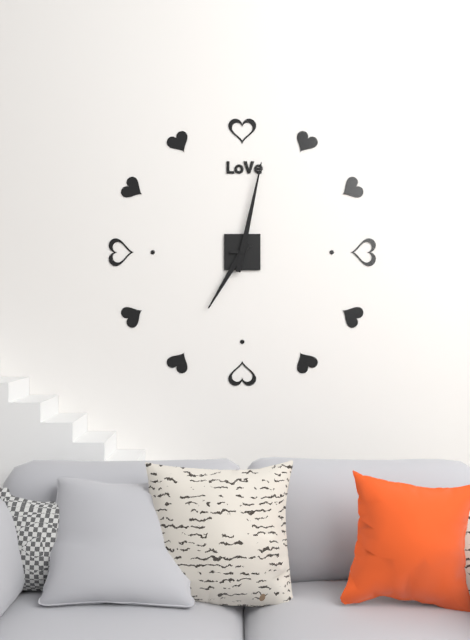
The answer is **7:02**
